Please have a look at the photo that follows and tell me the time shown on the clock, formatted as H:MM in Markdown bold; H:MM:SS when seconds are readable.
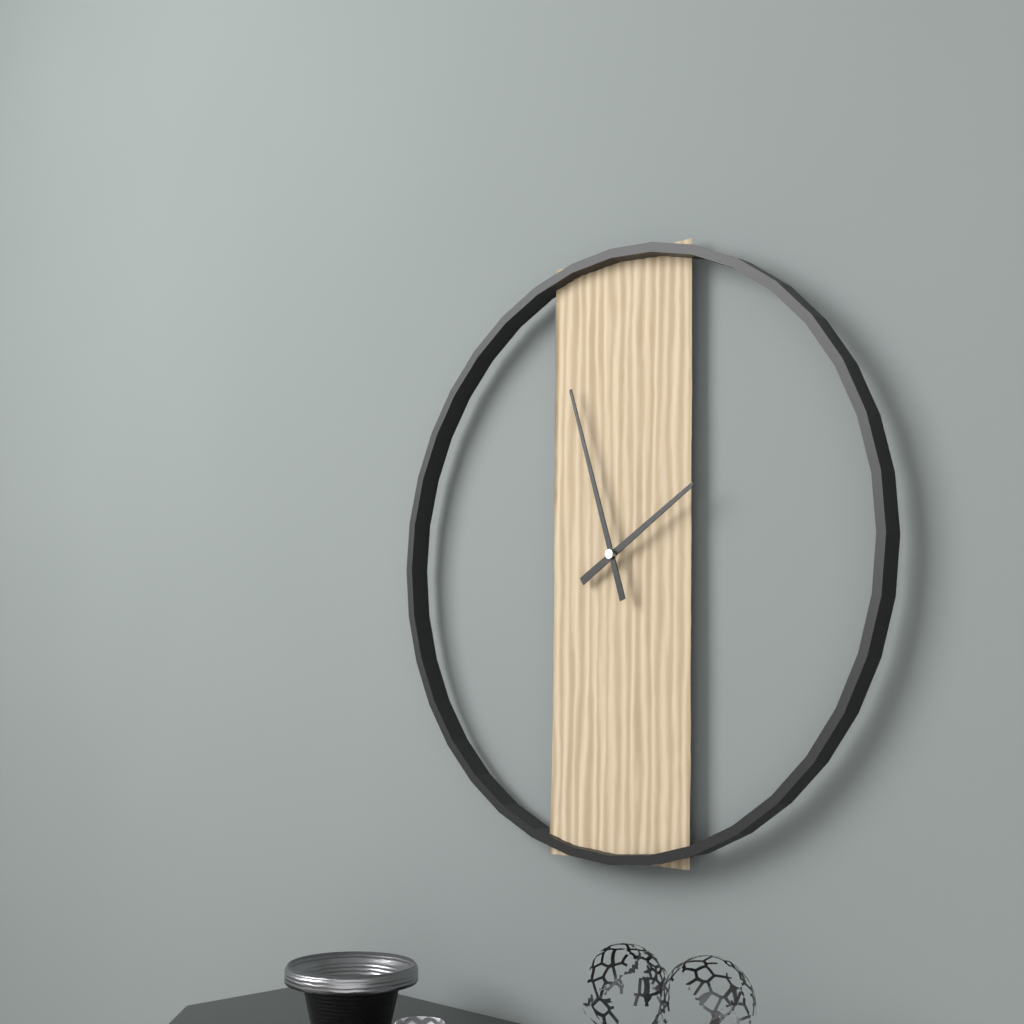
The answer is **1:57**
